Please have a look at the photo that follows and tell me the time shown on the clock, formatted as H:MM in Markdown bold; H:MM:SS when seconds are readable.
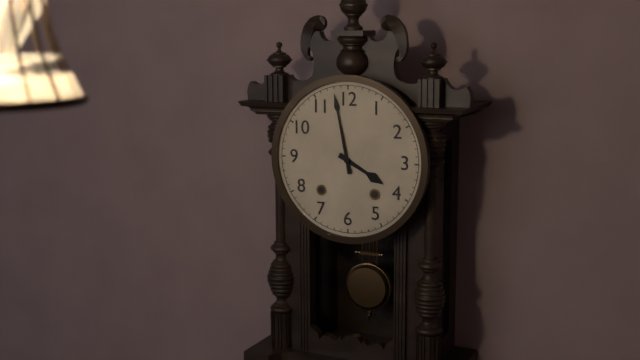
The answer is **3:58**
